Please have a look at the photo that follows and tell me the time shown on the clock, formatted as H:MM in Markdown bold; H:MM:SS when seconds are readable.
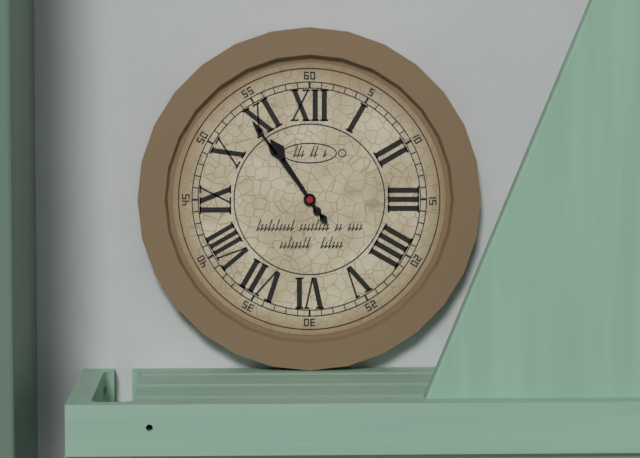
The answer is **10:54**
